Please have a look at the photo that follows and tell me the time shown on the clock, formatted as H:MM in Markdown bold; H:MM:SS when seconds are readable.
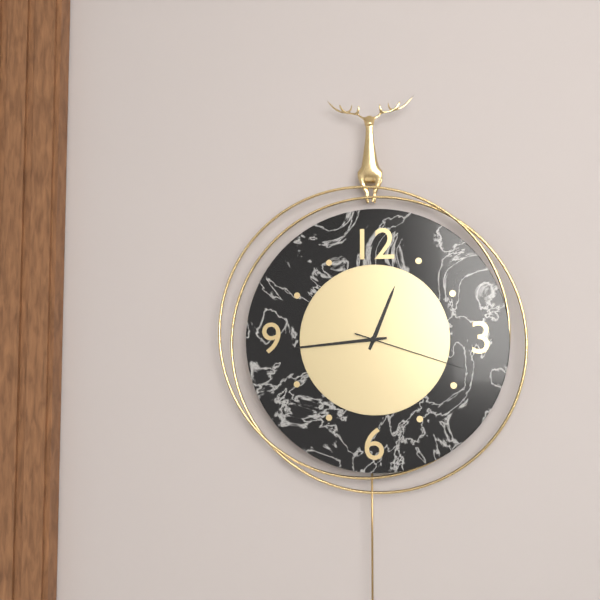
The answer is **12:44:18**
